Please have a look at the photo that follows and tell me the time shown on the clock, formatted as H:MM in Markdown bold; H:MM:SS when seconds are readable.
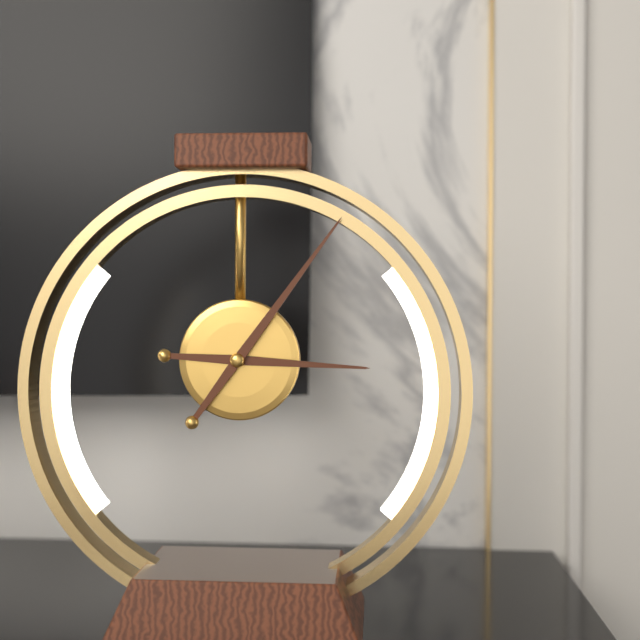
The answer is **3:06**
